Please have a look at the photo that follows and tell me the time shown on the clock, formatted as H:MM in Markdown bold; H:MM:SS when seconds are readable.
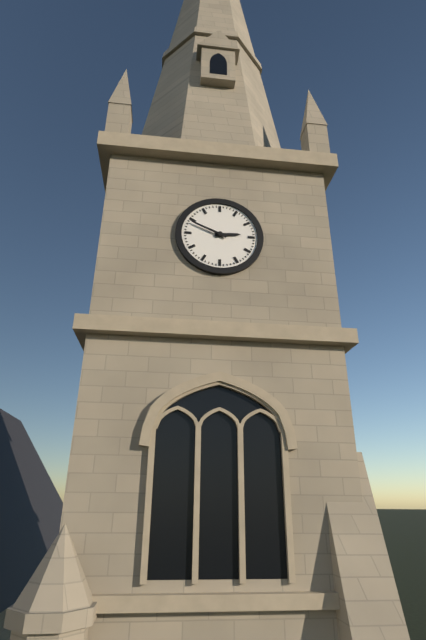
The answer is **2:49**
